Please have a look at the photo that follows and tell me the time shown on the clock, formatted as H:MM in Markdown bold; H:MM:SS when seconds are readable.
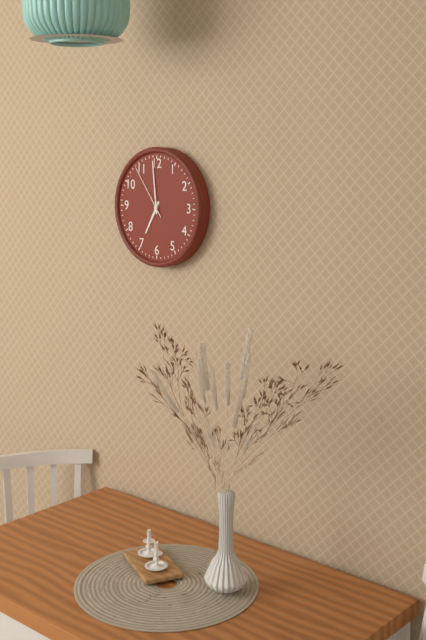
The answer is **6:59:54**
